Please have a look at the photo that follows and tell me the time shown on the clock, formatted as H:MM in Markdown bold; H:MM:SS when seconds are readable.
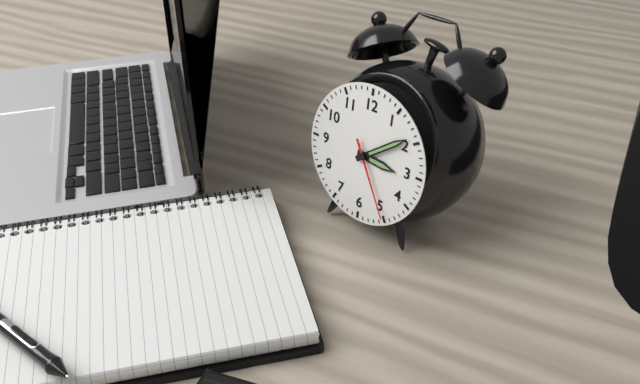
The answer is **3:09:25**
